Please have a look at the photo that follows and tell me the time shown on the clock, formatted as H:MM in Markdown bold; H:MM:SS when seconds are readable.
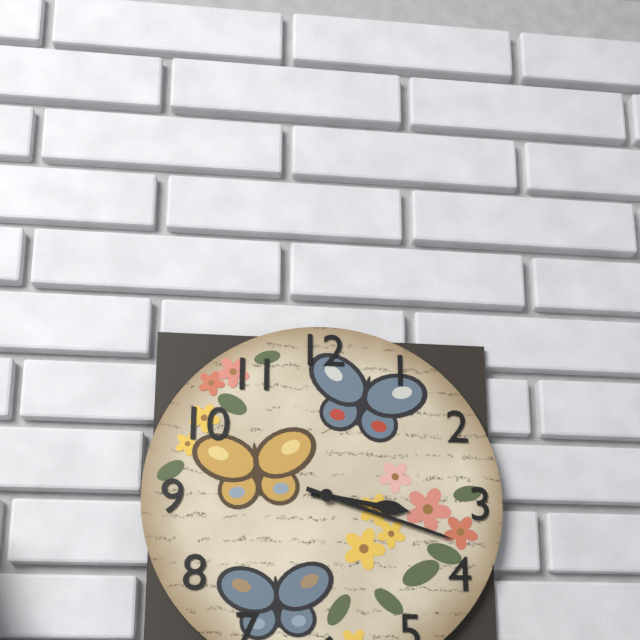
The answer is **3:18**
